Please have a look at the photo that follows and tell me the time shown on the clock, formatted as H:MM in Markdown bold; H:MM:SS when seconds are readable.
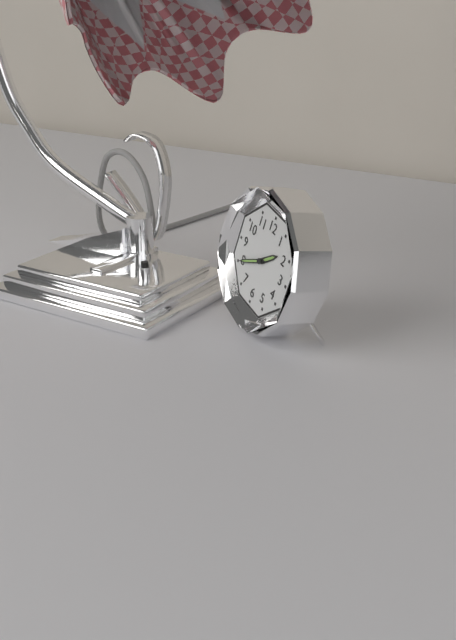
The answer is **1:40**
